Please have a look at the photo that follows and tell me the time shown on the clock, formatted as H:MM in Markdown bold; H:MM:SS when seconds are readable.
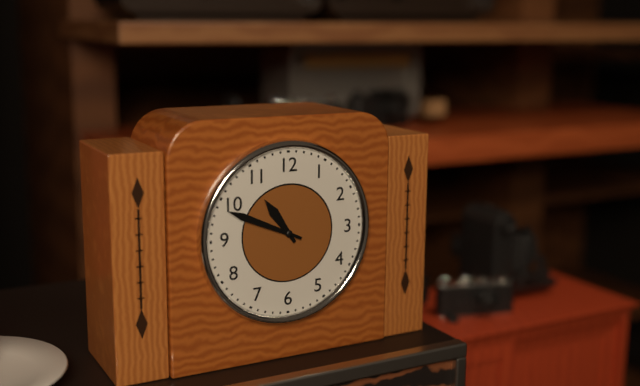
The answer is **10:49**
